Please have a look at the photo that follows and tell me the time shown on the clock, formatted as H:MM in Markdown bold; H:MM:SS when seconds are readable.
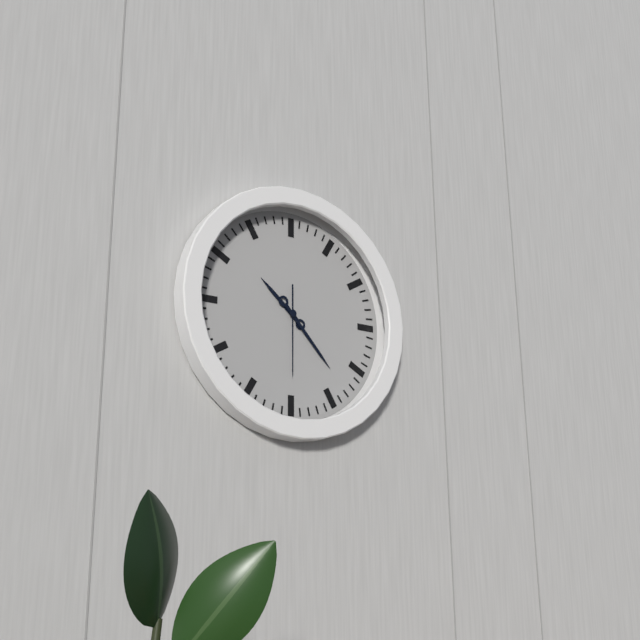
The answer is **10:23:30**
